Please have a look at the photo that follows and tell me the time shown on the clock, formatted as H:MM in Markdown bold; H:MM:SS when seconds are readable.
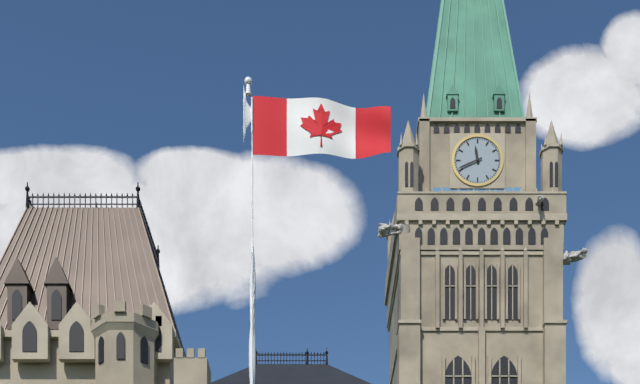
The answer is **11:41**
